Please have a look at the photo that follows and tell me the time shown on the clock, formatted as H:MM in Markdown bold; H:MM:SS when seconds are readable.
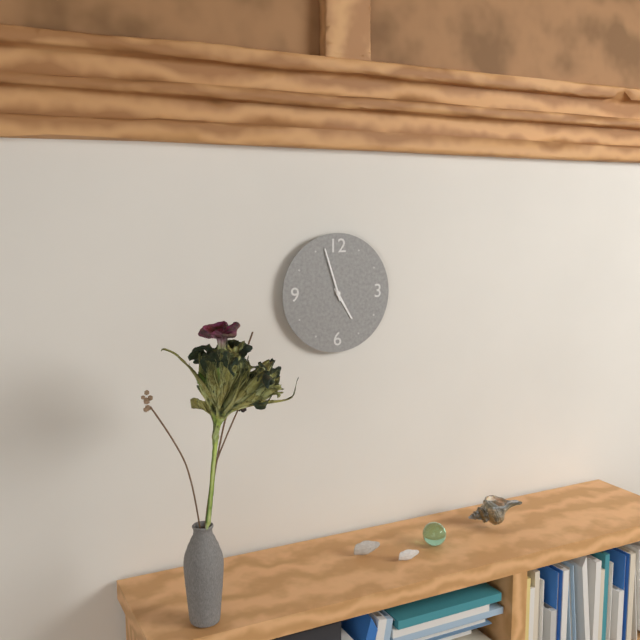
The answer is **4:57**
